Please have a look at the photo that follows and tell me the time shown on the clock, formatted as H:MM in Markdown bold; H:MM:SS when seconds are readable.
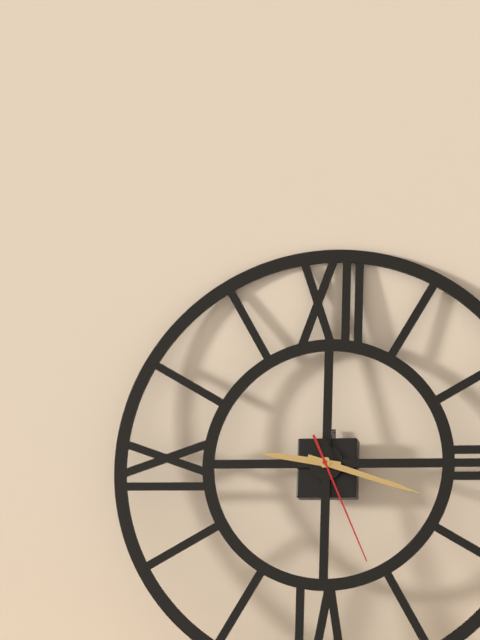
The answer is **9:18:26**
